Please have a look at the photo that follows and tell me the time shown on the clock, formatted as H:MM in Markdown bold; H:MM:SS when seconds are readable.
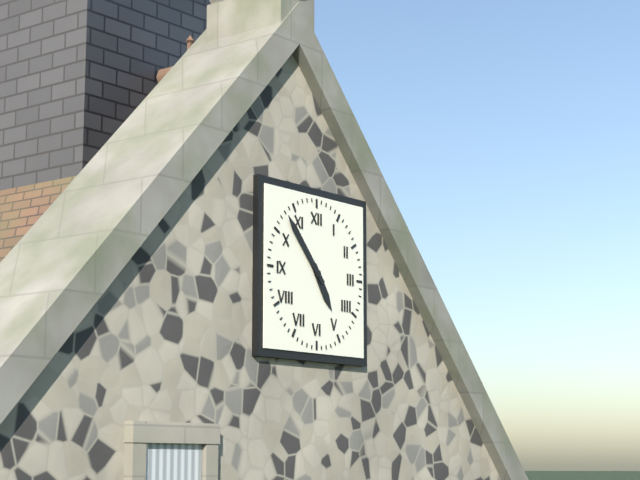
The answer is **4:53**
